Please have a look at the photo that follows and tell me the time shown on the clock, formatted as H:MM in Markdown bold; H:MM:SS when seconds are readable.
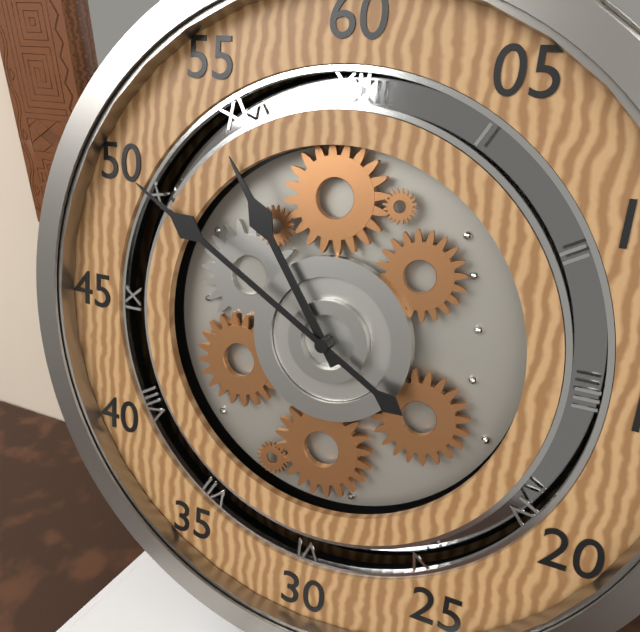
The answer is **10:50**
